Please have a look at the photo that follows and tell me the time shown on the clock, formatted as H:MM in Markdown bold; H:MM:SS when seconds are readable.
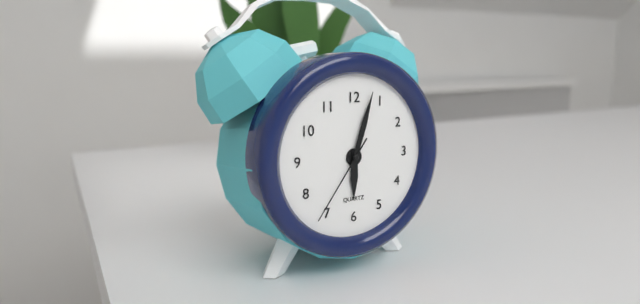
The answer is **6:03:36**
